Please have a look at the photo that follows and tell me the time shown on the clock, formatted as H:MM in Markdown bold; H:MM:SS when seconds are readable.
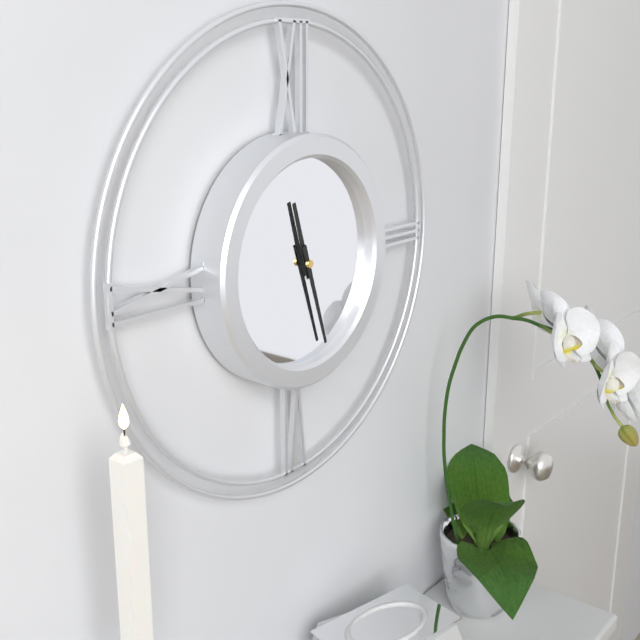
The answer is **11:27**
